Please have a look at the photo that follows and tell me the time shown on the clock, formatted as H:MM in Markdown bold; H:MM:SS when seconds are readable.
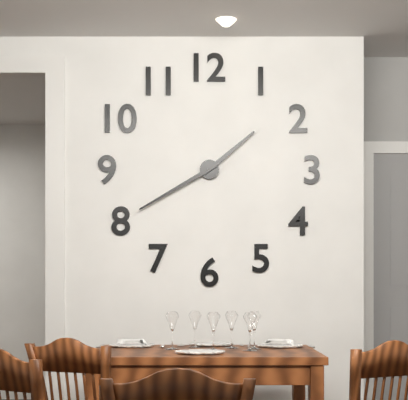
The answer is **1:40**
